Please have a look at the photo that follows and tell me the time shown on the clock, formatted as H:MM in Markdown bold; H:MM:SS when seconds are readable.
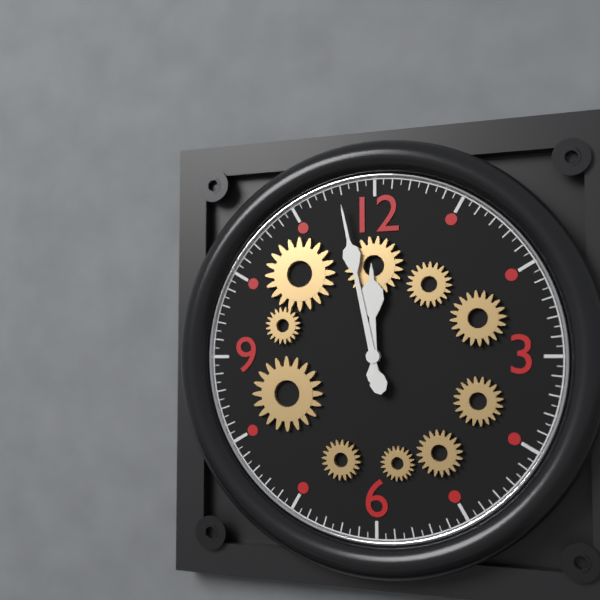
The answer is **11:58**
